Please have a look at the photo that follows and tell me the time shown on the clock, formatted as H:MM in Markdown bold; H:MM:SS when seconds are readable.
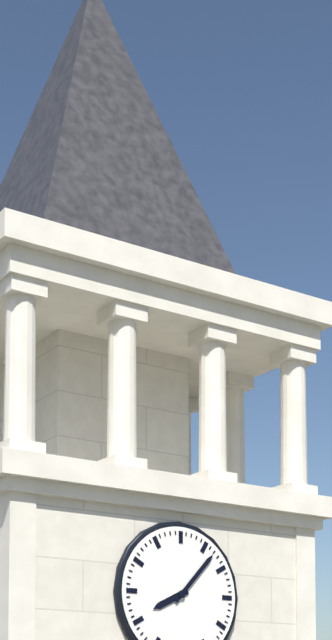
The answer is **8:07**
